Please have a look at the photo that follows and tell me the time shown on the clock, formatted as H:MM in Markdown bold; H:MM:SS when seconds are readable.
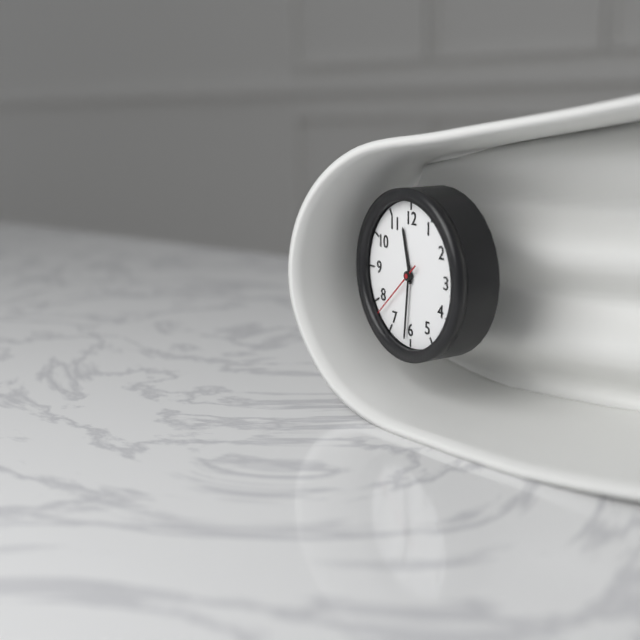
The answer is **11:31:38**
